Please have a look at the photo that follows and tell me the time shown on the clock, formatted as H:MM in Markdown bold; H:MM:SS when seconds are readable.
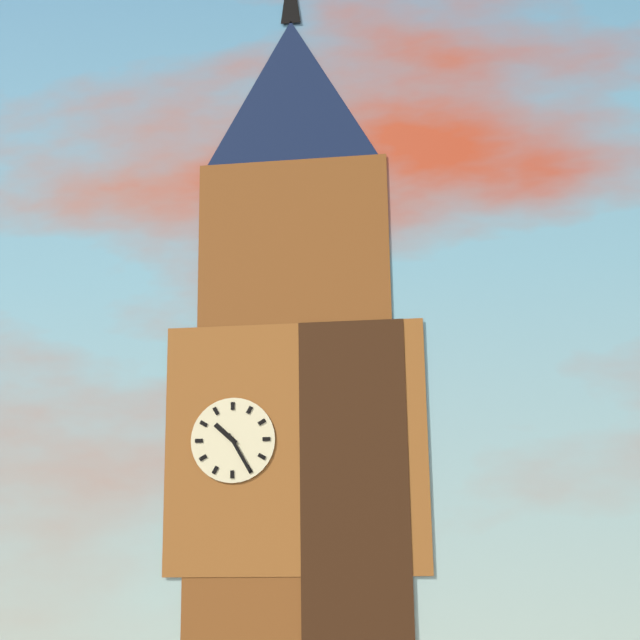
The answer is **10:25**
